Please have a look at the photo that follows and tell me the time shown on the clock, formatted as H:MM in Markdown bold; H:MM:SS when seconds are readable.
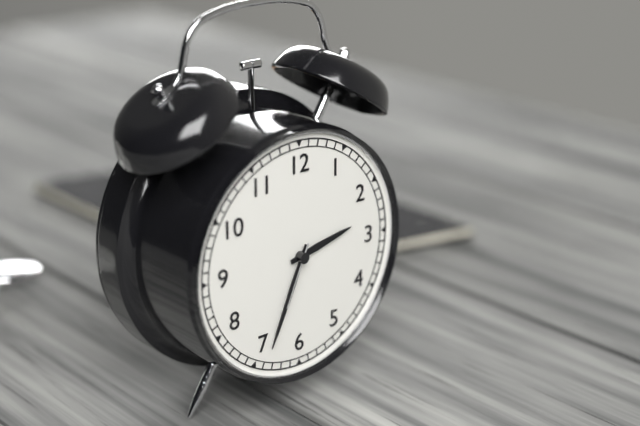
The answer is **2:34:34**
